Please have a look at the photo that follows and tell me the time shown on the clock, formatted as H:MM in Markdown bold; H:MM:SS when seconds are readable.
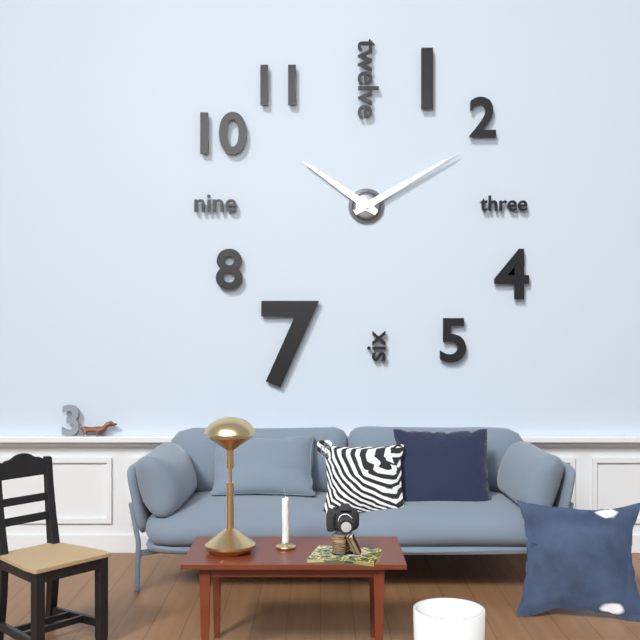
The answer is **10:10**
